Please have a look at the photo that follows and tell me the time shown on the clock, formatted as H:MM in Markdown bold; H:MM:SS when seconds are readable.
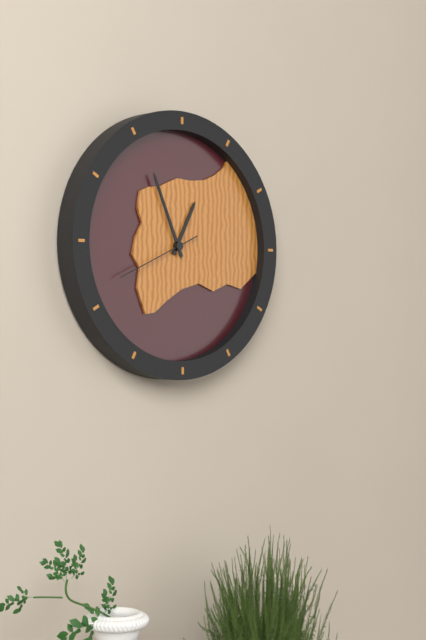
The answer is **12:56:41**
